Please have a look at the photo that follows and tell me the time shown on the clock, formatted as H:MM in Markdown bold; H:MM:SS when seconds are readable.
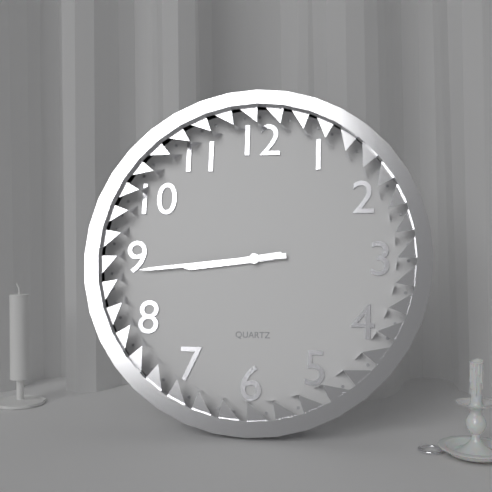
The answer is **8:44**
